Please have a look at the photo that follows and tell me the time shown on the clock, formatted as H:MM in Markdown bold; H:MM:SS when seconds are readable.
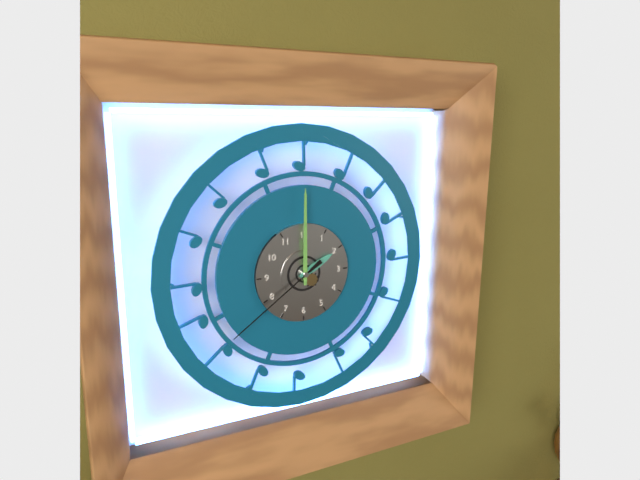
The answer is **2:00:39**
